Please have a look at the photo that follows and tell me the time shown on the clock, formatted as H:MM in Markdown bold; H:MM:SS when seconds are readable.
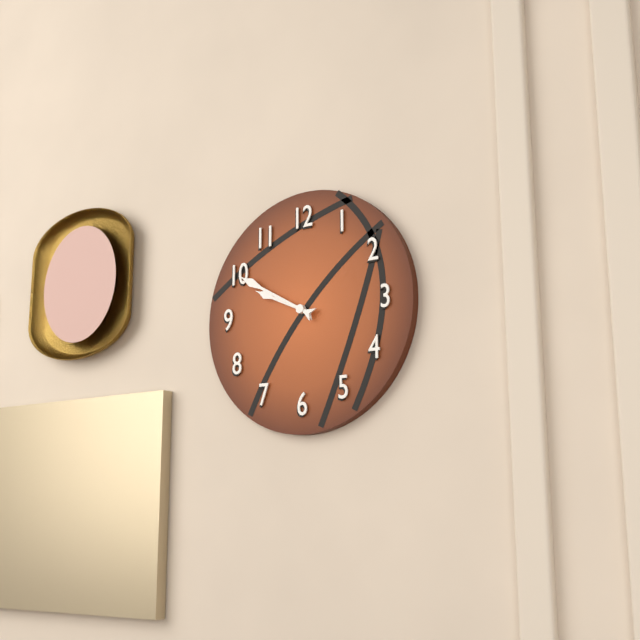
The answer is **9:50**
